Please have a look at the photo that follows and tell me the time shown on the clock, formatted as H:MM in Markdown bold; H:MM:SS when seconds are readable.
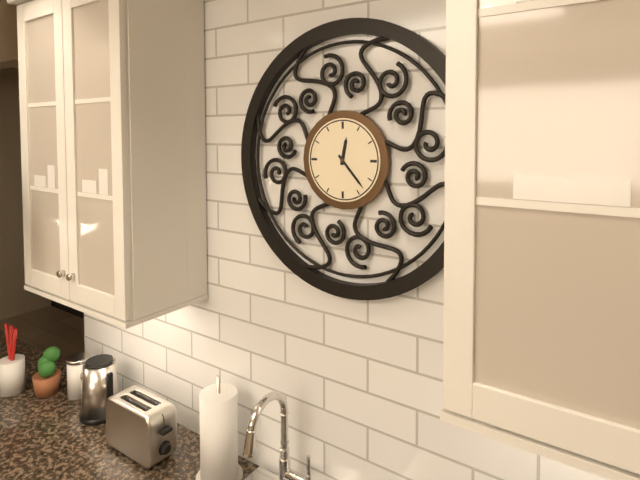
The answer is **12:23**
